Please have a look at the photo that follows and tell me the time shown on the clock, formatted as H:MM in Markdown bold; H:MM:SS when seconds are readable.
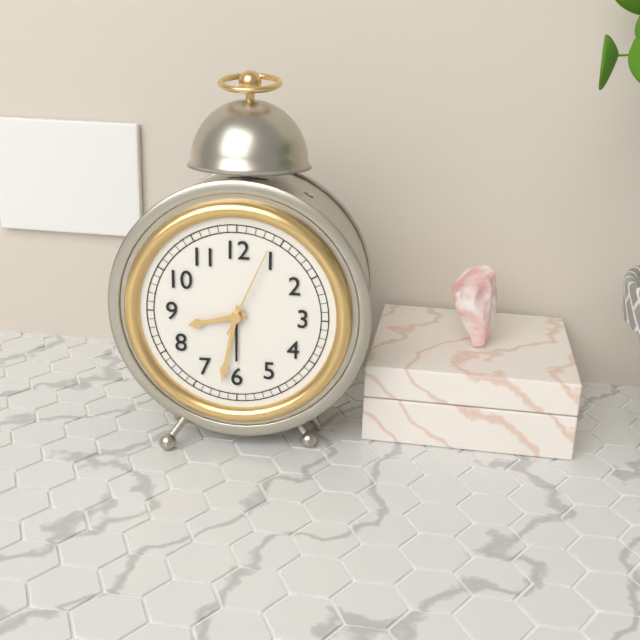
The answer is **8:32:04**
